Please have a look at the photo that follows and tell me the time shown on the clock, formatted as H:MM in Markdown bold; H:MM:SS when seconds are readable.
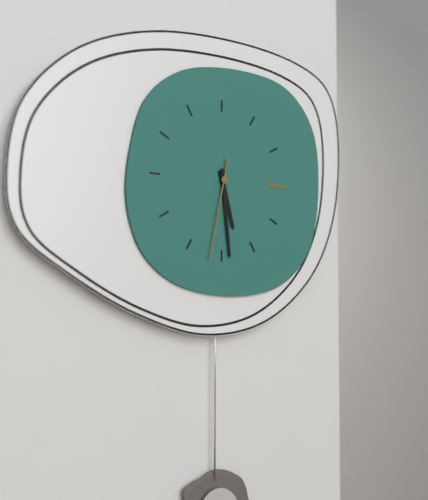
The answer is **5:29:32**
